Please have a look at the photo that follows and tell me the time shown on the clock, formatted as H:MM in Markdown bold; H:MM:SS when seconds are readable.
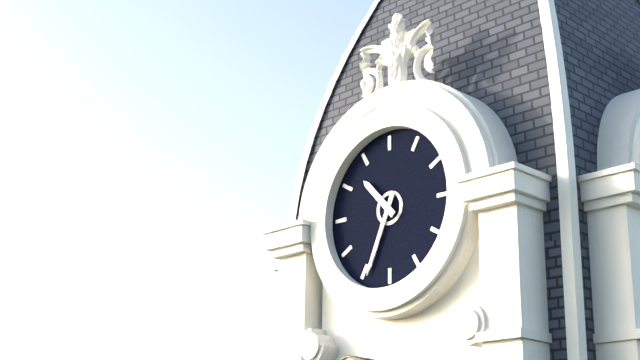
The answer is **10:34**
